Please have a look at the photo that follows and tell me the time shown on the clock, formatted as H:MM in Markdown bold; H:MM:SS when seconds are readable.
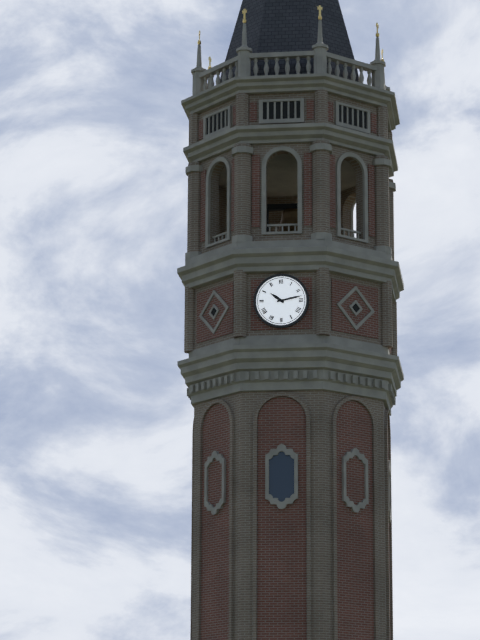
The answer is **10:13**
